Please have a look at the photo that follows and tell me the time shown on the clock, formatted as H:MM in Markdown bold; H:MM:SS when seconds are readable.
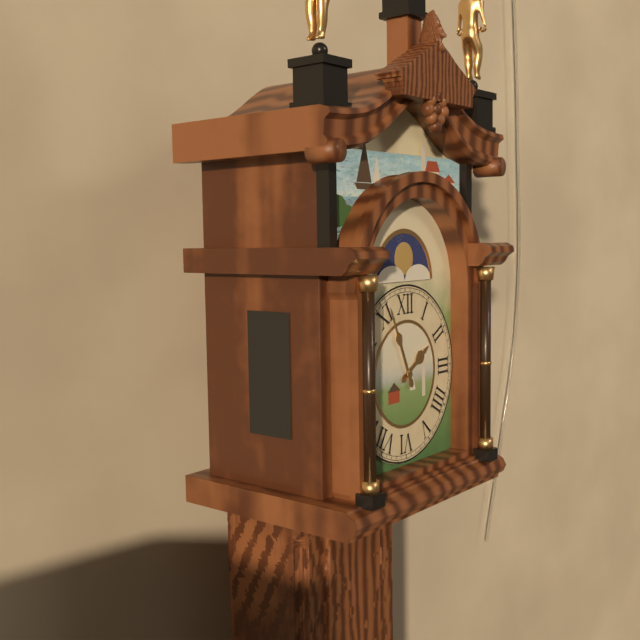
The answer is **1:56**
